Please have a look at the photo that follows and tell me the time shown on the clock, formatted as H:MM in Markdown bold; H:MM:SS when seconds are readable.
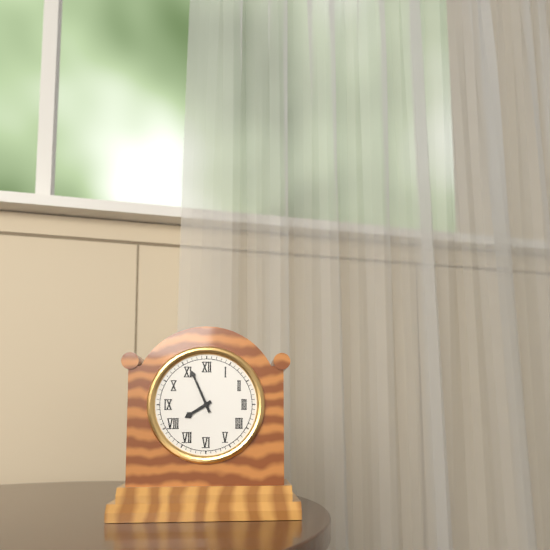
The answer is **7:56**
